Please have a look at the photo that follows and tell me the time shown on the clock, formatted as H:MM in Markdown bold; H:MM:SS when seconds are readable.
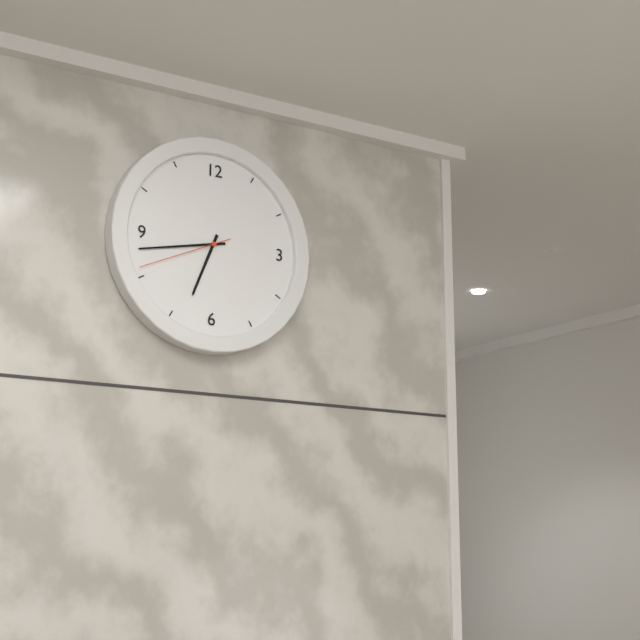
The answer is **6:43:41**
